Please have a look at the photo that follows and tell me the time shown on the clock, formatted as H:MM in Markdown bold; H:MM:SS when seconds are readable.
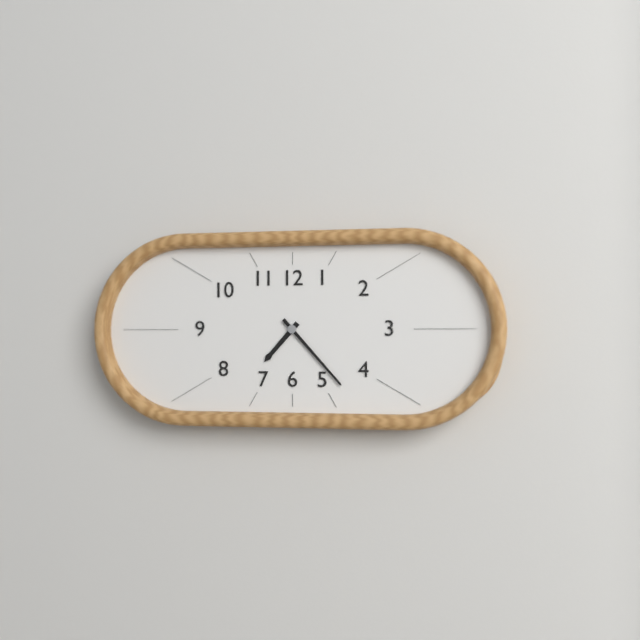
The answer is **7:23**
